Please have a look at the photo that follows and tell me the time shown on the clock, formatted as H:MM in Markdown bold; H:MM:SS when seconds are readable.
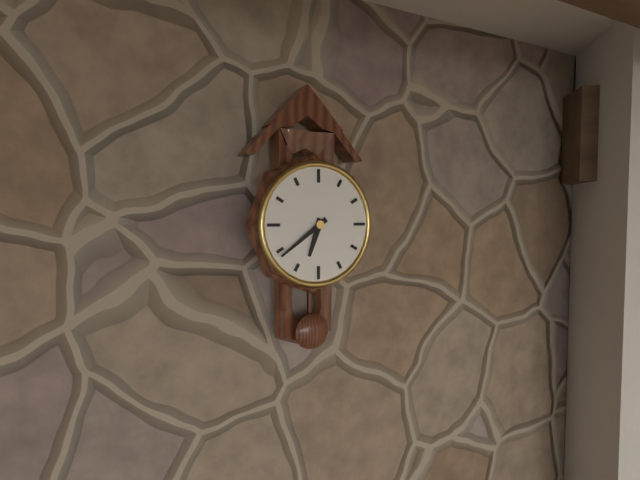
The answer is **6:39**
